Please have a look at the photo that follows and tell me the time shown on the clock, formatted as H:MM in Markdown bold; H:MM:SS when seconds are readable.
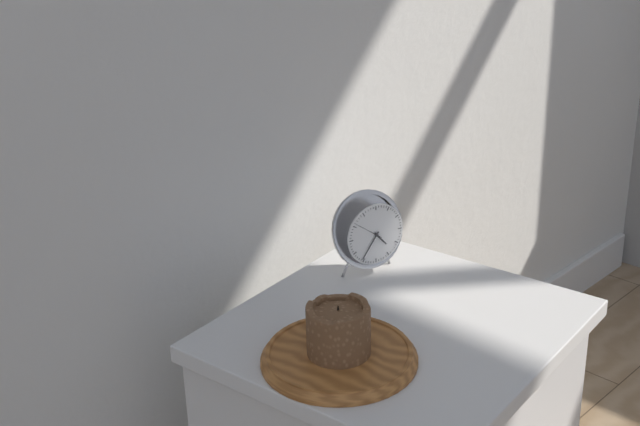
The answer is **4:36**
